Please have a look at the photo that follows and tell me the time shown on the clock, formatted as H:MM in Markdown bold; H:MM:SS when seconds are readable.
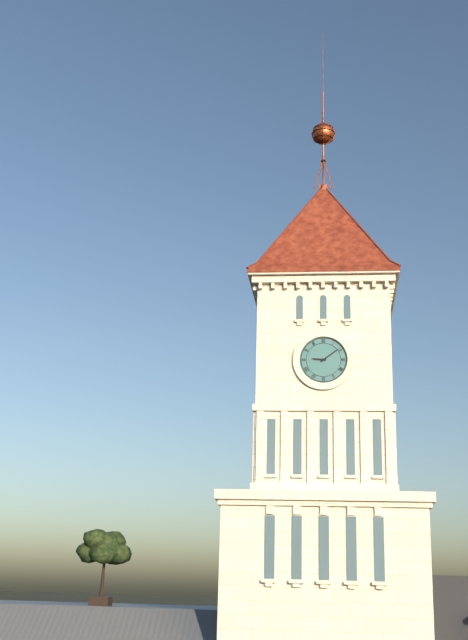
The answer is **9:09**
